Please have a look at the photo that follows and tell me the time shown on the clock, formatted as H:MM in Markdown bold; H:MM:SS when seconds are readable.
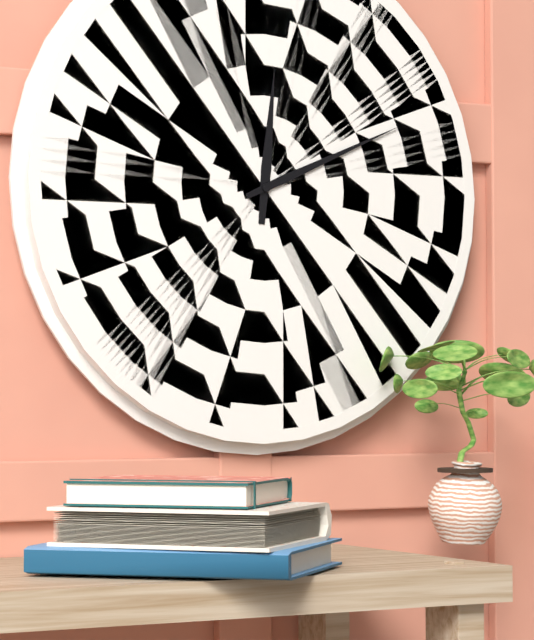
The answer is **12:11**
